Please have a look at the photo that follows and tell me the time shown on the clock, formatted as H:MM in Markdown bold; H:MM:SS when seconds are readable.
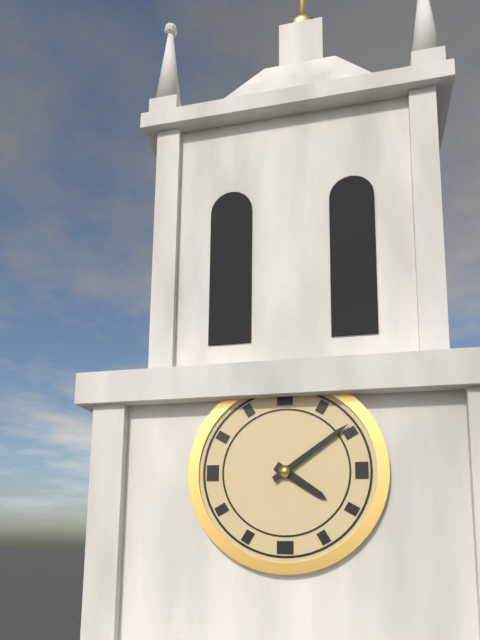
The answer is **4:09**
